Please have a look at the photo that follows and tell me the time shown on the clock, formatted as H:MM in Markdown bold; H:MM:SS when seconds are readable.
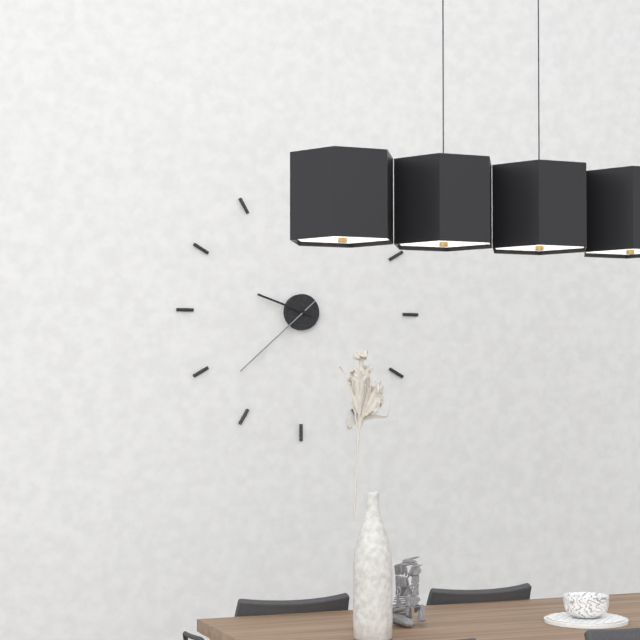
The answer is **9:38**
